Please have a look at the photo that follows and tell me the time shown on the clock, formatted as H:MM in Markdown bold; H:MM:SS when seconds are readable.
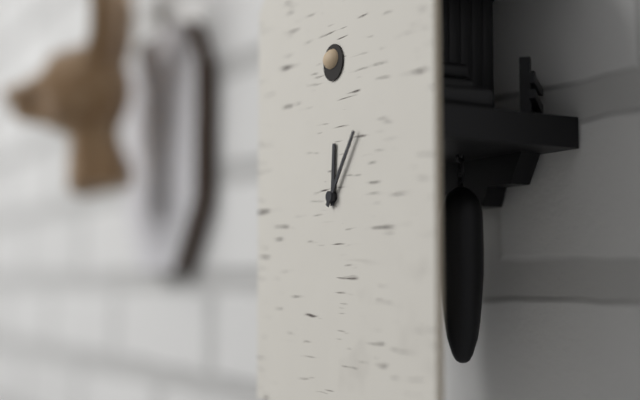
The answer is **12:06**
